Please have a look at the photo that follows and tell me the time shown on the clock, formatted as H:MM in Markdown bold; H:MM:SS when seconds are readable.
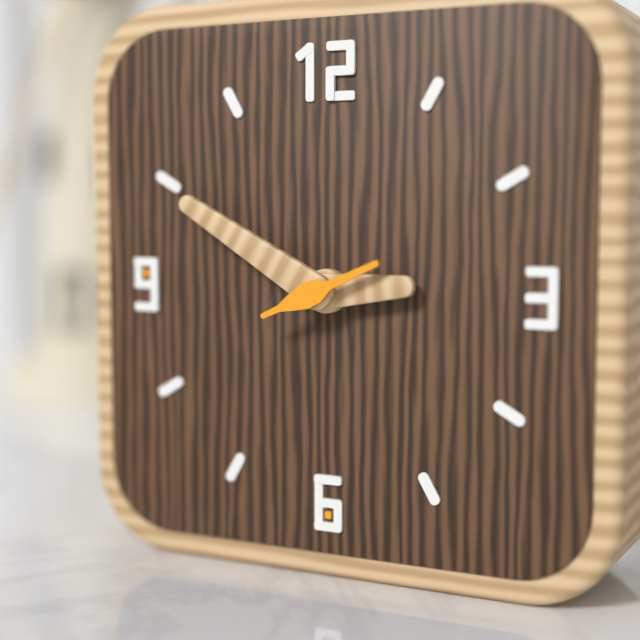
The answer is **2:50:11**
